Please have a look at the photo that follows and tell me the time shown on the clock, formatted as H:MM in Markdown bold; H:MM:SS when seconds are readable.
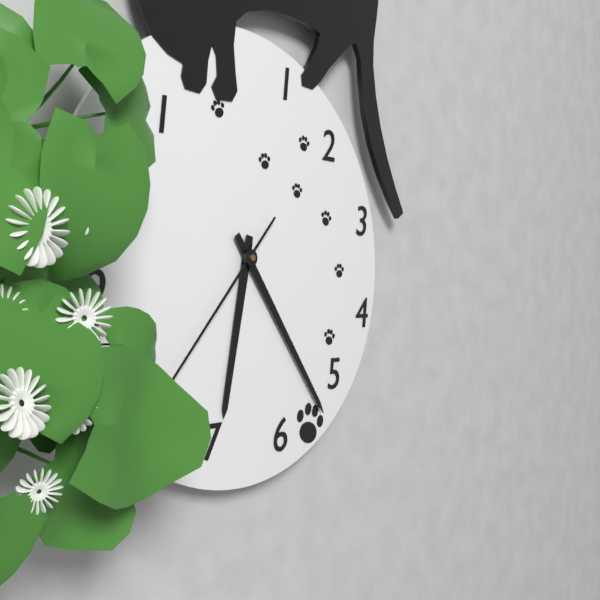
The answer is **6:24**
